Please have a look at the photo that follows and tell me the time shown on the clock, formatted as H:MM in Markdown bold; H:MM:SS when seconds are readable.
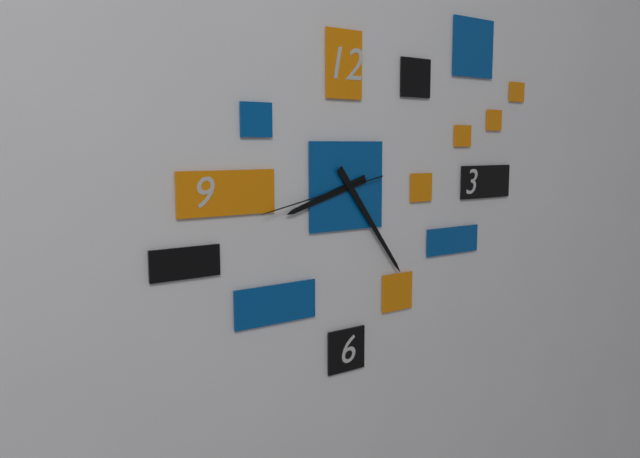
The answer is **8:24:43**
